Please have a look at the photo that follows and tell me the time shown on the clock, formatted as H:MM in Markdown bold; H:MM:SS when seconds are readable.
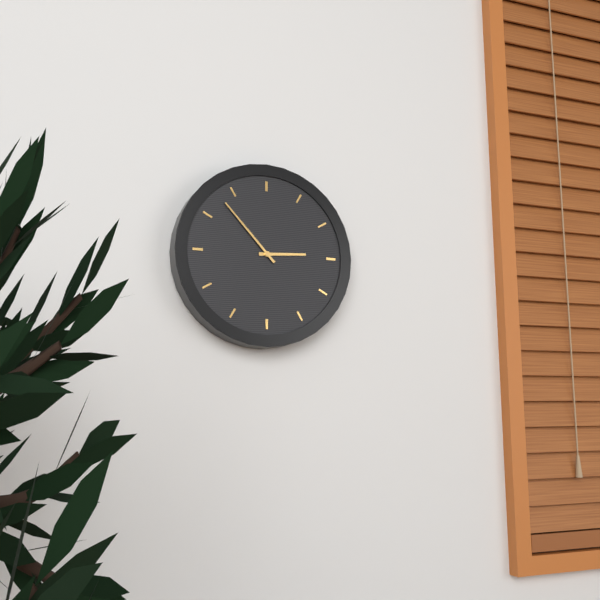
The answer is **2:53**
